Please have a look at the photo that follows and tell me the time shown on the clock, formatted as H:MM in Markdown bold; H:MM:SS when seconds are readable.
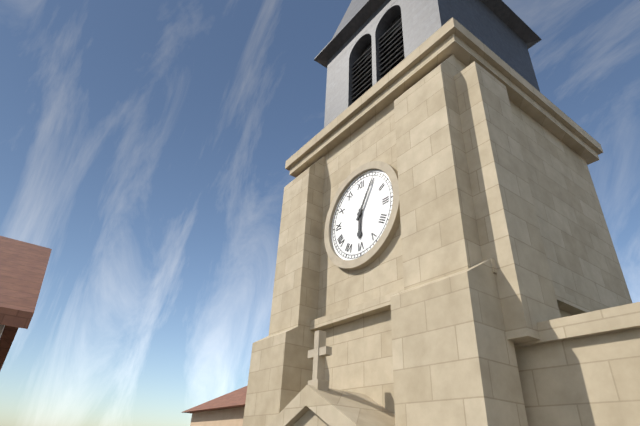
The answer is **6:05**
